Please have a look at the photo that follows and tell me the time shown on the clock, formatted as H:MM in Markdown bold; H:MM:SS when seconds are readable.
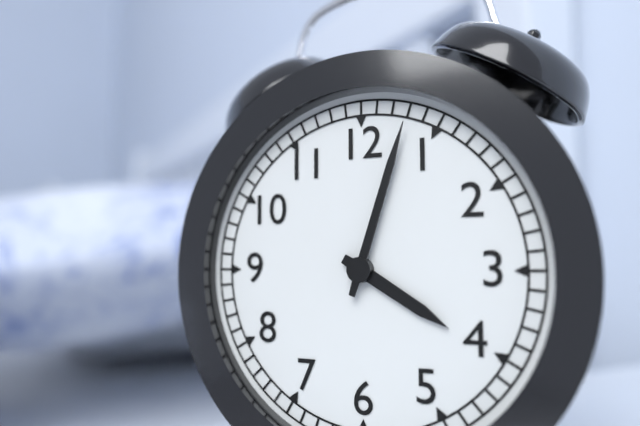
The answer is **4:03**
